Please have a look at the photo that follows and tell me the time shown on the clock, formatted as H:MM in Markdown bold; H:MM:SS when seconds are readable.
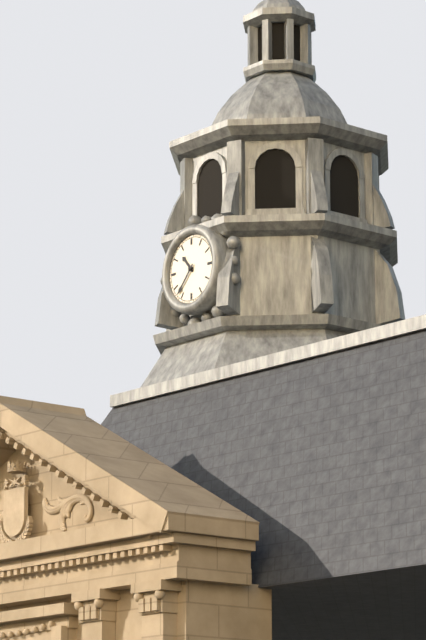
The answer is **10:37**
